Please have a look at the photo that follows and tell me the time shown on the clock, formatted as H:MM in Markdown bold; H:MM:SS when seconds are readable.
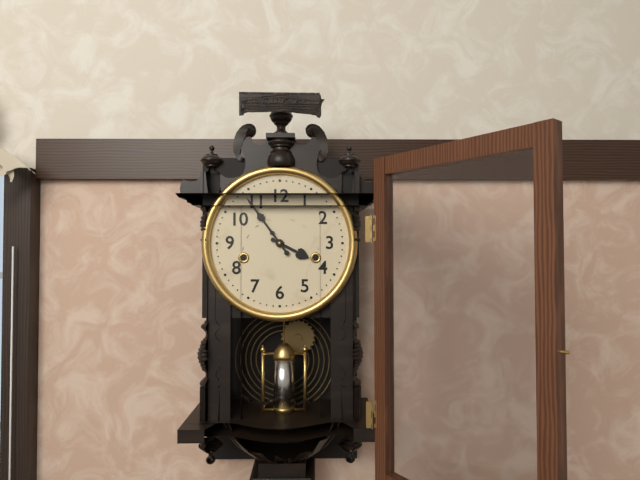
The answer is **3:54**
